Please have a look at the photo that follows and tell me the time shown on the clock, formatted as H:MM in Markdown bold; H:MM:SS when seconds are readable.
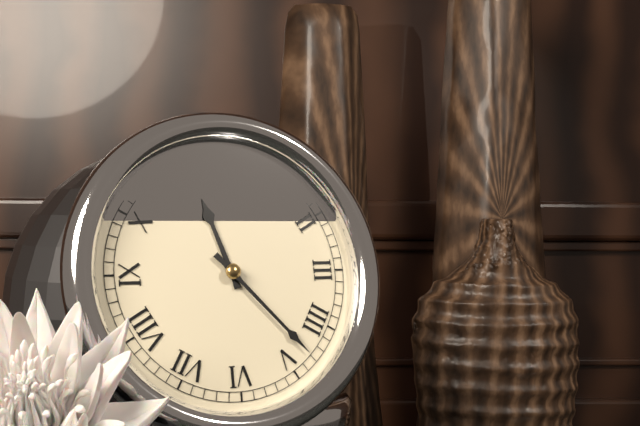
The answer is **11:23**
